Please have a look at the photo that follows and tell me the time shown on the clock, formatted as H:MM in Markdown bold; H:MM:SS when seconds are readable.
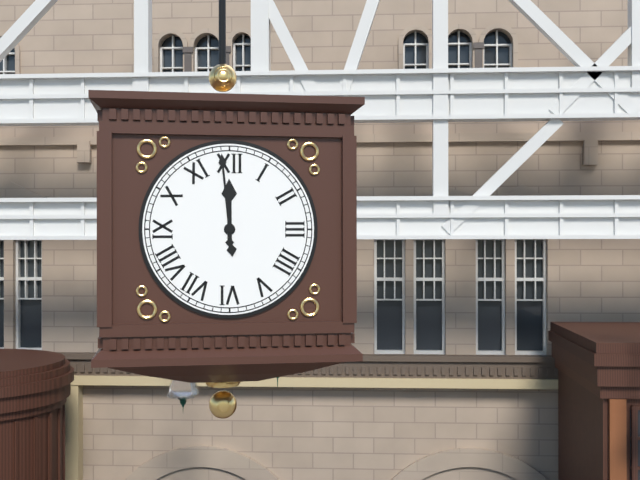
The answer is **11:59**
